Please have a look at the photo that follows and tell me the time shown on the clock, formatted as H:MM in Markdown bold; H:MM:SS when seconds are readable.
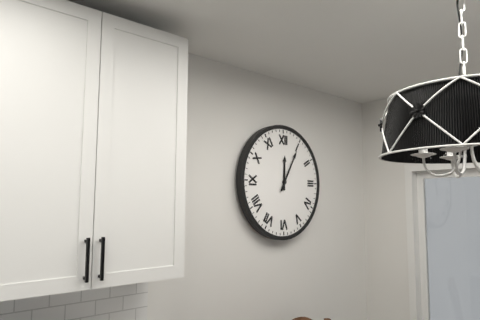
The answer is **12:05**
